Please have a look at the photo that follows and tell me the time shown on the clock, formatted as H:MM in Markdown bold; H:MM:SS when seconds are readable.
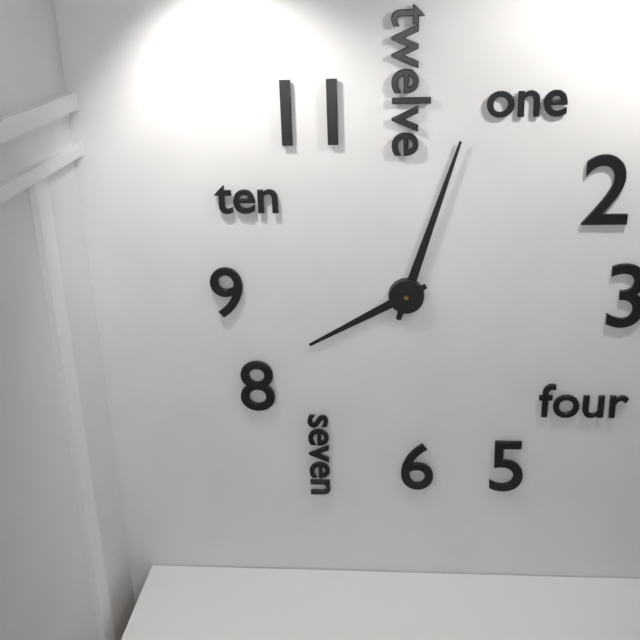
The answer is **8:03**
